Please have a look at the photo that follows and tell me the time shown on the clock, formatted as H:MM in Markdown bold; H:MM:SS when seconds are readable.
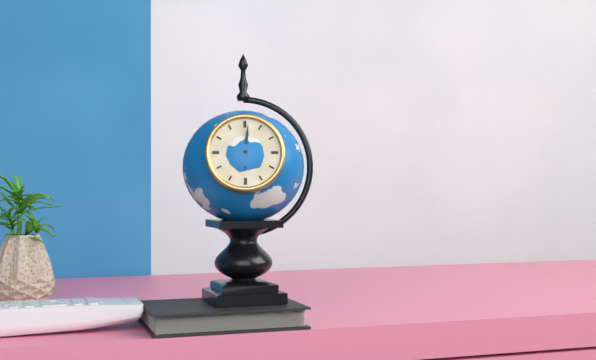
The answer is **6:01**
